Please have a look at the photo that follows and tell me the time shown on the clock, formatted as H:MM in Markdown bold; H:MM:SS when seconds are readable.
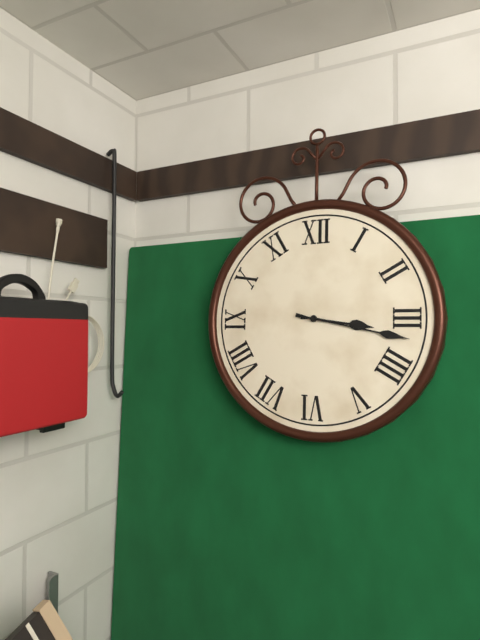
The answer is **3:17**
